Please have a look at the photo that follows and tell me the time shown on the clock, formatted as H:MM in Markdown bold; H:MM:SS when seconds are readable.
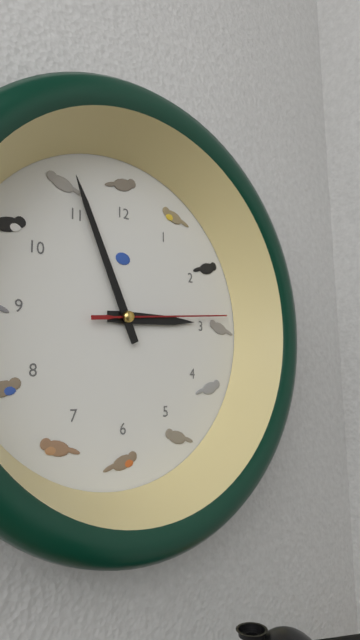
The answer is **2:56:14**
